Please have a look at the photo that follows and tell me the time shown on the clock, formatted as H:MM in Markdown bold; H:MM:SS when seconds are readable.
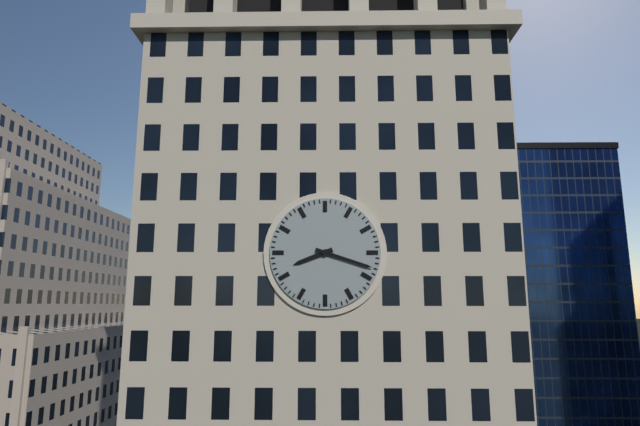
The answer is **8:18**
